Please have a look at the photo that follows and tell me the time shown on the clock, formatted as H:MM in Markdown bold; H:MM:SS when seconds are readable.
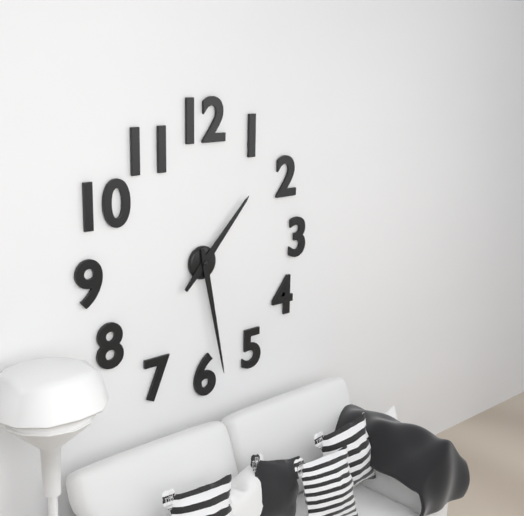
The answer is **1:28**
